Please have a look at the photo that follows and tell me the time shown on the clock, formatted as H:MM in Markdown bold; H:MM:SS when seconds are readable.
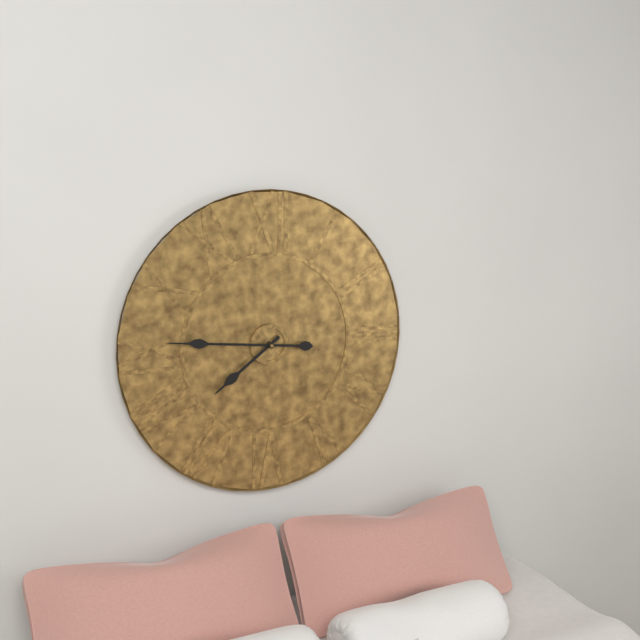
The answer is **7:46**
